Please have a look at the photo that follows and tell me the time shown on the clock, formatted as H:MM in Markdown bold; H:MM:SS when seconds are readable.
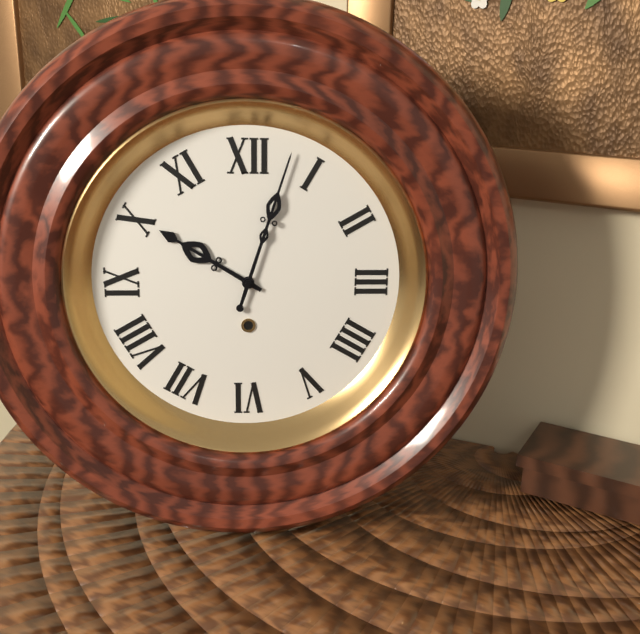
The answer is **10:03**
